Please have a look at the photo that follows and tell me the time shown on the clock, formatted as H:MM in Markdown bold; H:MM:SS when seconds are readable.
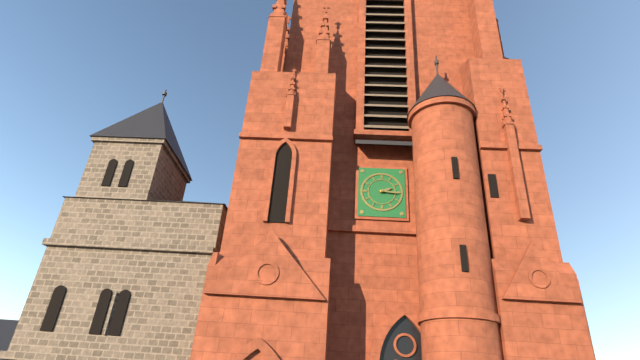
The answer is **2:16**
